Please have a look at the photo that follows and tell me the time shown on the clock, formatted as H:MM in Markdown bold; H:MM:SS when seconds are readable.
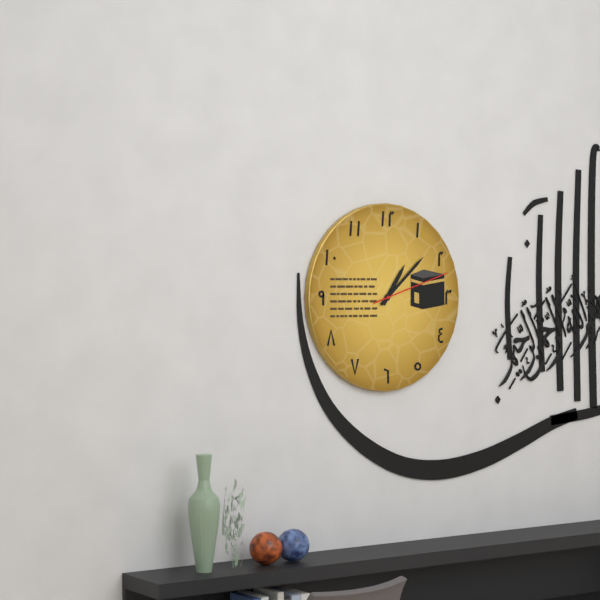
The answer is **1:08:12**
